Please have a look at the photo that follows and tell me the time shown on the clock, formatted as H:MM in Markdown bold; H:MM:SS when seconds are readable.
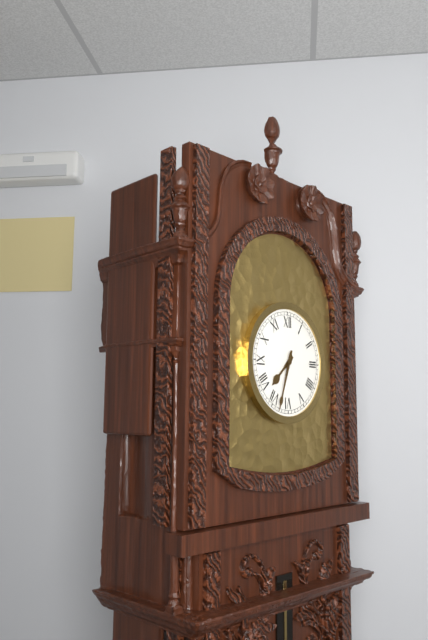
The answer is **7:33**
